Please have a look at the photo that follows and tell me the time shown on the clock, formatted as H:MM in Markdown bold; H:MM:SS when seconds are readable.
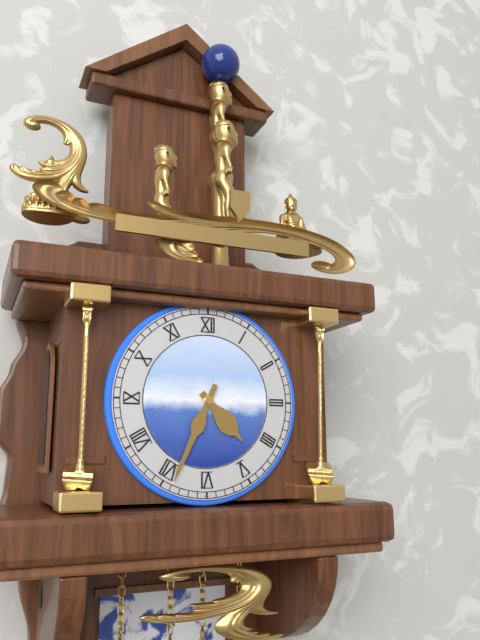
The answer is **4:34**
